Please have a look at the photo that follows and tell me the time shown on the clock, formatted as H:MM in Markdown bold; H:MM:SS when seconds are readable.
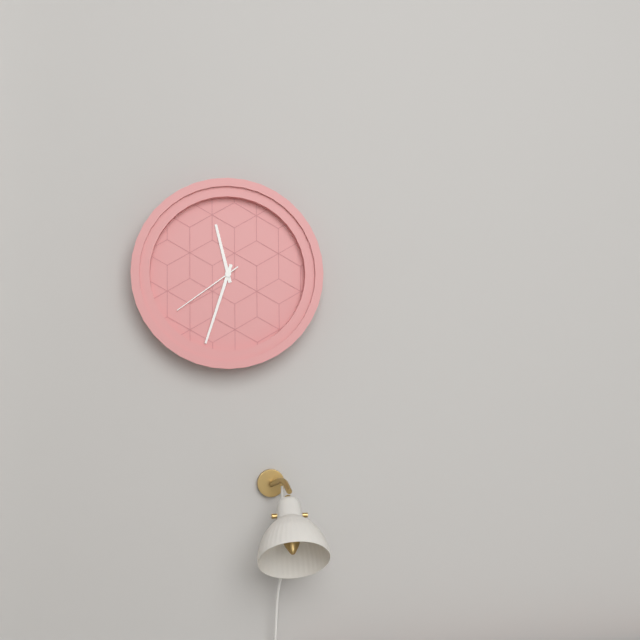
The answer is **11:33:39**
